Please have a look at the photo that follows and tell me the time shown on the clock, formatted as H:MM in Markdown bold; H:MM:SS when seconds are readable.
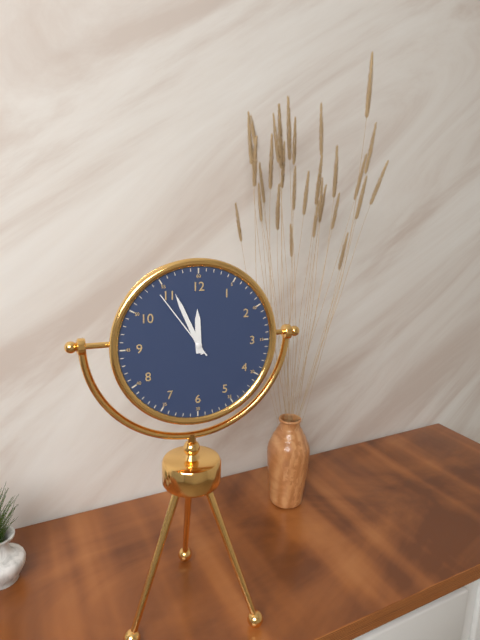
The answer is **11:56:54**
